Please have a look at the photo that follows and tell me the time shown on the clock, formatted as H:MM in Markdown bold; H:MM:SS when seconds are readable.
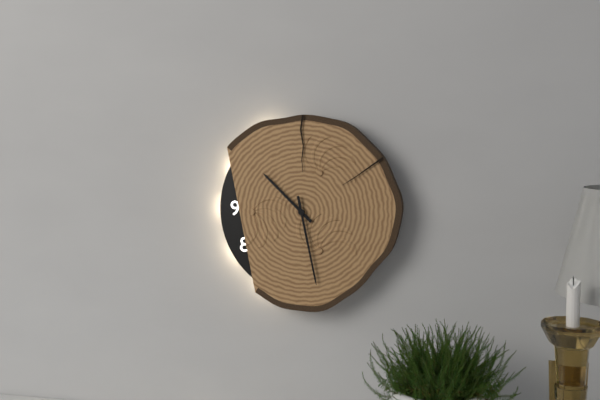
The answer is **10:28**
